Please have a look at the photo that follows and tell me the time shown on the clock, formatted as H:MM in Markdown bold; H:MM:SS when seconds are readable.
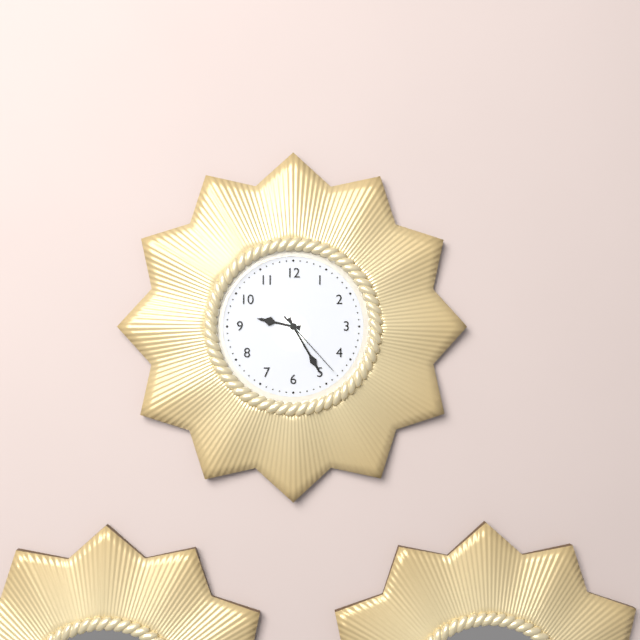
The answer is **9:25:23**
